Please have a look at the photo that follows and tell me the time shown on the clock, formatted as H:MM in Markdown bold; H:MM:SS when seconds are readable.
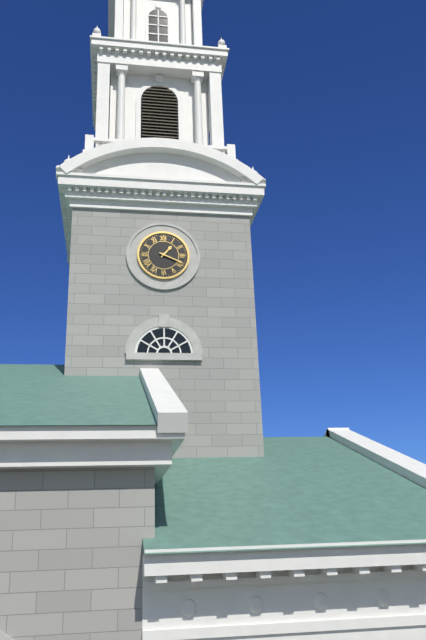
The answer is **1:19**
